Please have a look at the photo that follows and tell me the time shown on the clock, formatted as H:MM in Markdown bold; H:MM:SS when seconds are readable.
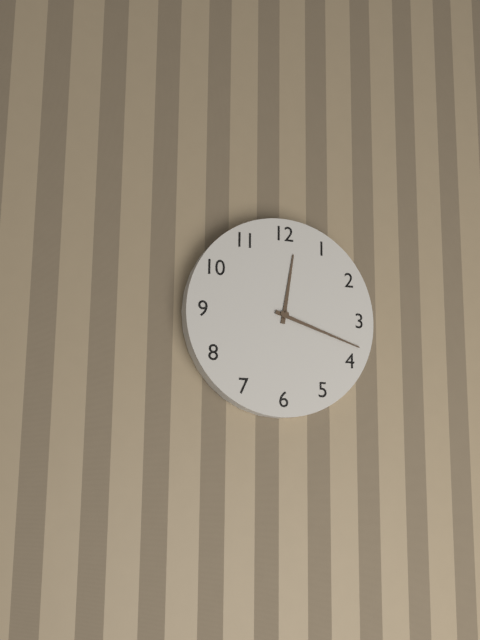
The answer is **12:18**
